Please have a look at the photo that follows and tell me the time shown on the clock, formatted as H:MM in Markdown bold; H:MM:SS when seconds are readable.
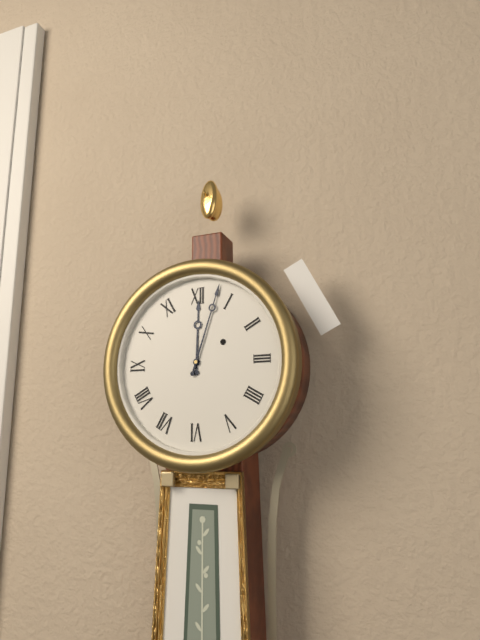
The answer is **12:03**
